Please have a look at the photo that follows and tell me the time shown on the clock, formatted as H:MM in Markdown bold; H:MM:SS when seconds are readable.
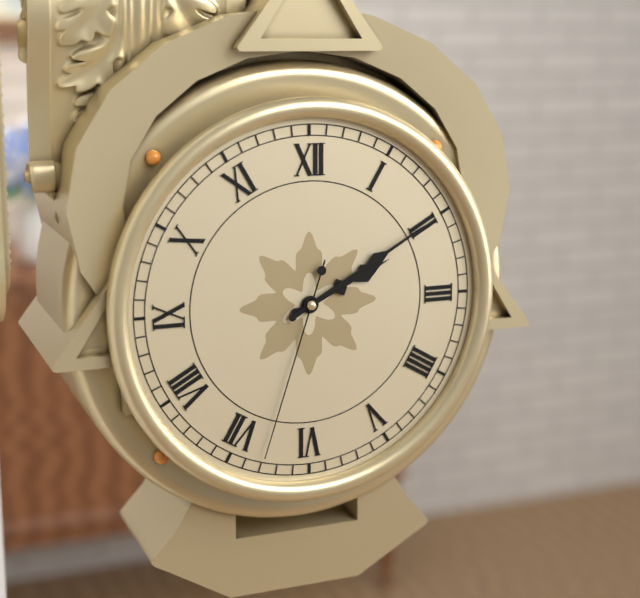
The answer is **2:10:33**
